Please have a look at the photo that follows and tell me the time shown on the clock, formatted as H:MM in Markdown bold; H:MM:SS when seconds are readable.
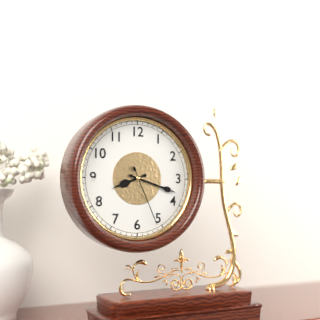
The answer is **8:18:26**
